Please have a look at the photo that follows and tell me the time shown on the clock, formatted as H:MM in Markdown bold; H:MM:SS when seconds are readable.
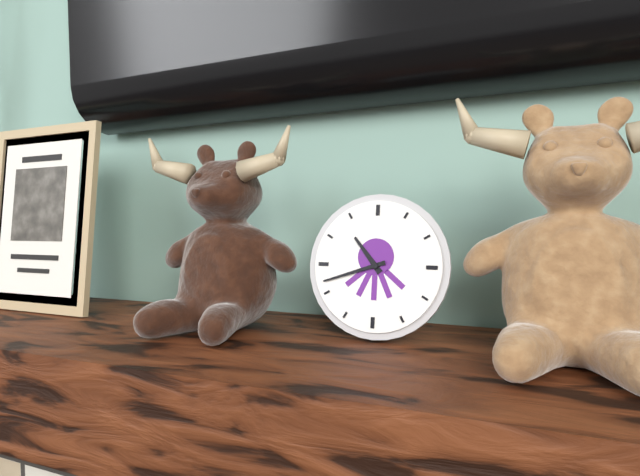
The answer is **10:42**
